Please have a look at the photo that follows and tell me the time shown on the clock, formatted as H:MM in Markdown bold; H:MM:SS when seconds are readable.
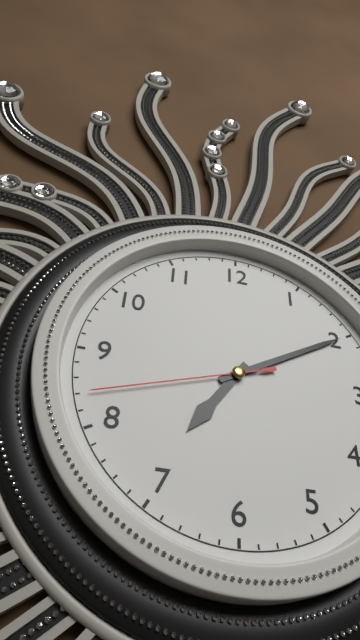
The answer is **7:10:42**
